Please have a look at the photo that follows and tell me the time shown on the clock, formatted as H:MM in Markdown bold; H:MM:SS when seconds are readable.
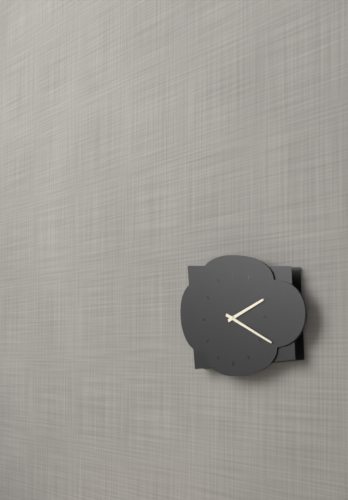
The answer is **2:19**
